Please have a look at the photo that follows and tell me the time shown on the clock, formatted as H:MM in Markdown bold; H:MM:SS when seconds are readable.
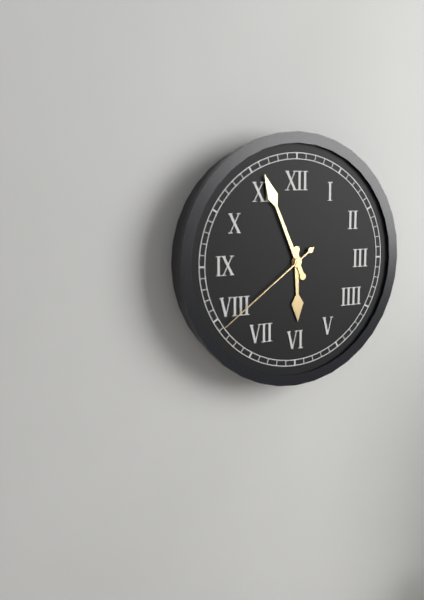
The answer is **5:56:39**
